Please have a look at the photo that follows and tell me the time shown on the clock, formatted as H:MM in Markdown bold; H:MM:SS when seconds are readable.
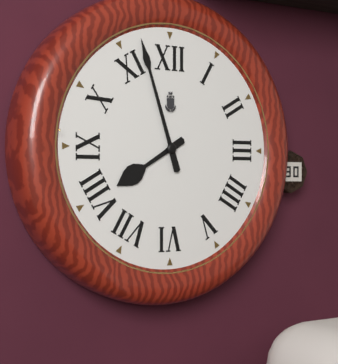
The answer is **7:57**
